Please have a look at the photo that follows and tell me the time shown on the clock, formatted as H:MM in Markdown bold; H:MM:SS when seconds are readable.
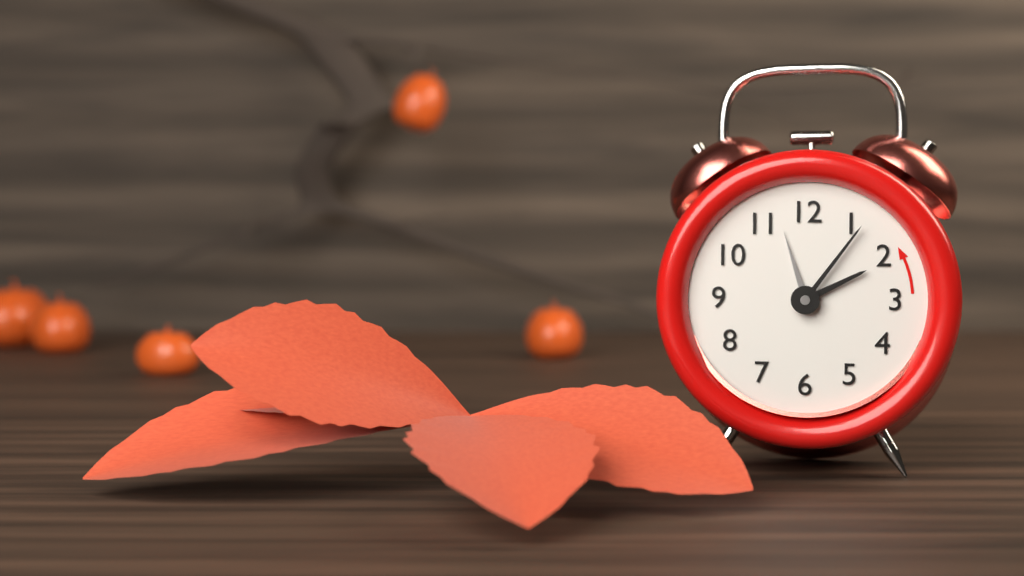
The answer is **2:06:57**
